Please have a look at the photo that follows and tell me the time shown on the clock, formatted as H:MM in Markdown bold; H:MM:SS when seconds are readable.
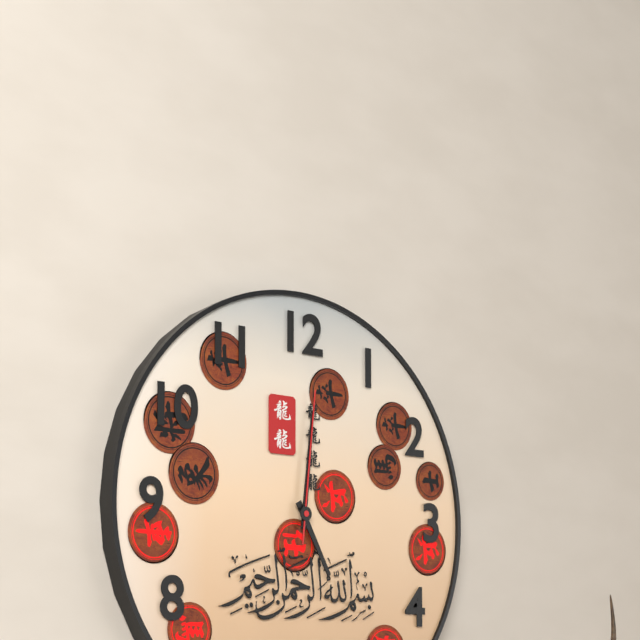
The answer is **5:01:01**
